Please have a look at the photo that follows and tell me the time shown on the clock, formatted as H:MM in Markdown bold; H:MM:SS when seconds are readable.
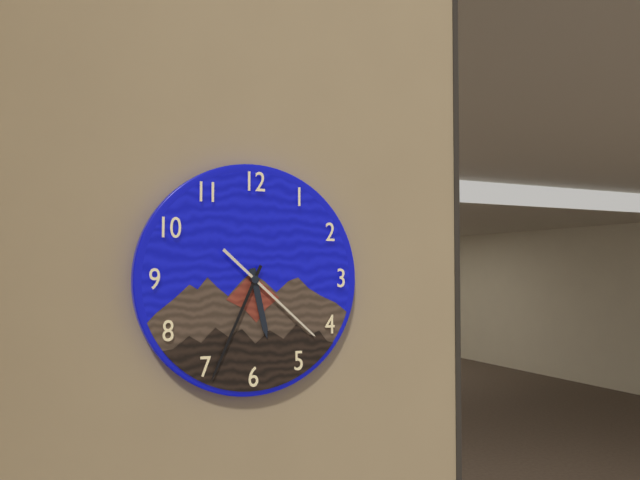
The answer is **5:34:22**
